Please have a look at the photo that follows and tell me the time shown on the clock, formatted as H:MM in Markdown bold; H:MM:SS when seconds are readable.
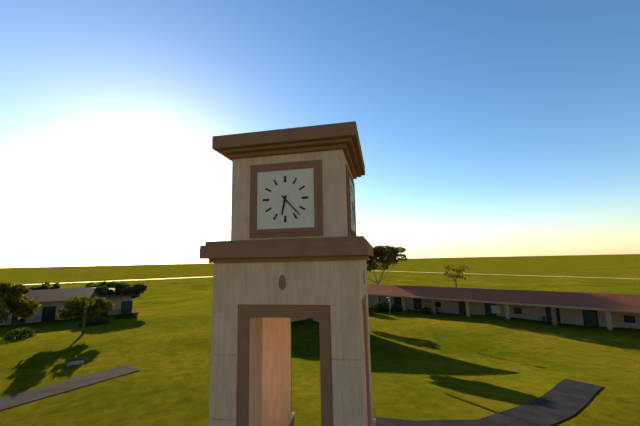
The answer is **6:23**
